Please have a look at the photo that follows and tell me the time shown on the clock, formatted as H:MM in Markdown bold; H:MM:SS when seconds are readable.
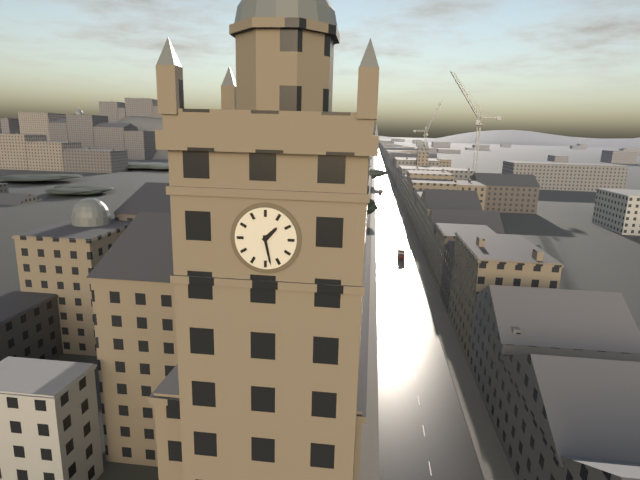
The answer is **1:28**
